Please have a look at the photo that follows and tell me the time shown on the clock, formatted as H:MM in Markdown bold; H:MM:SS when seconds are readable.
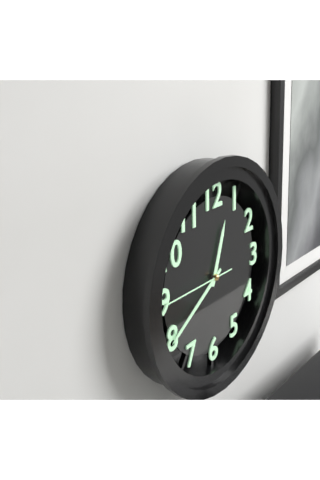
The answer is **12:40:45**
